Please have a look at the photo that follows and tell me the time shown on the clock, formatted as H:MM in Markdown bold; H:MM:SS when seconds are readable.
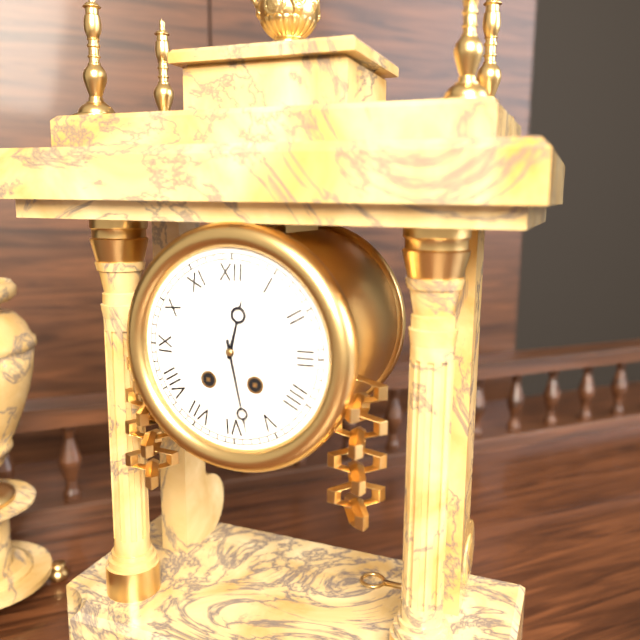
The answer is **12:28**
